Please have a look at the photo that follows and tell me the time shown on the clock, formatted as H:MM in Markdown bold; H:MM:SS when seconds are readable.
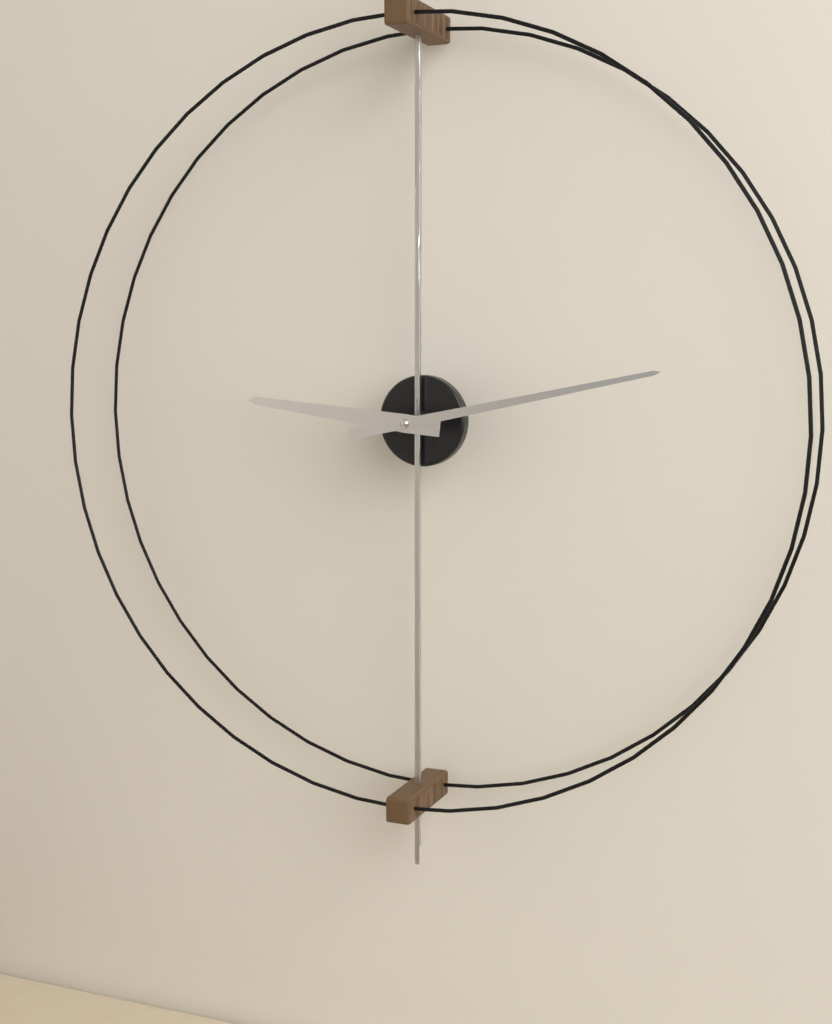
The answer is **9:13**
